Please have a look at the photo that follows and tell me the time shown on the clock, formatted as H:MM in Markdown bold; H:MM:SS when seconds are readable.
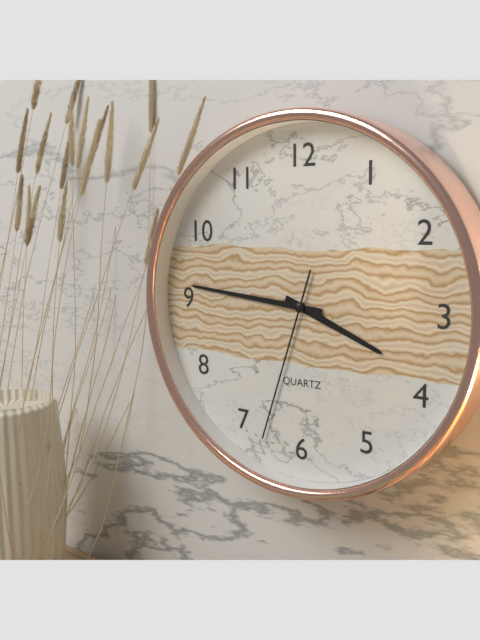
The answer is **3:46:33**
